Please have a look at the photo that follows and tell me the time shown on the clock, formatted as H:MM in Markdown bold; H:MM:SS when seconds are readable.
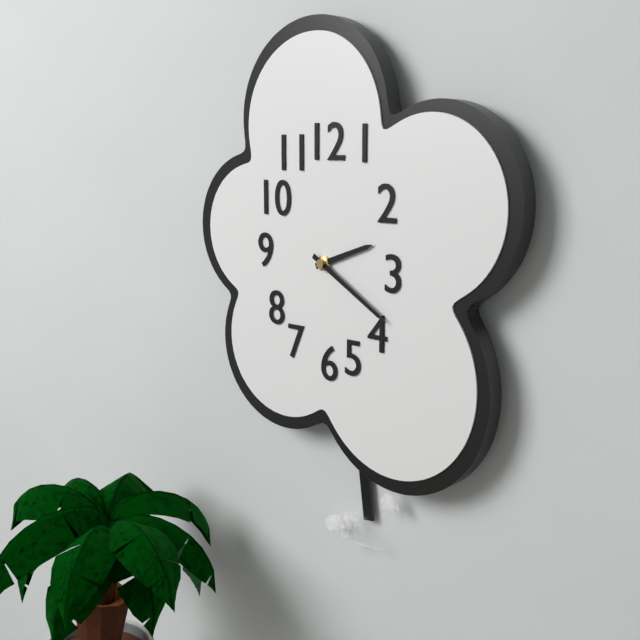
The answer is **2:20**
